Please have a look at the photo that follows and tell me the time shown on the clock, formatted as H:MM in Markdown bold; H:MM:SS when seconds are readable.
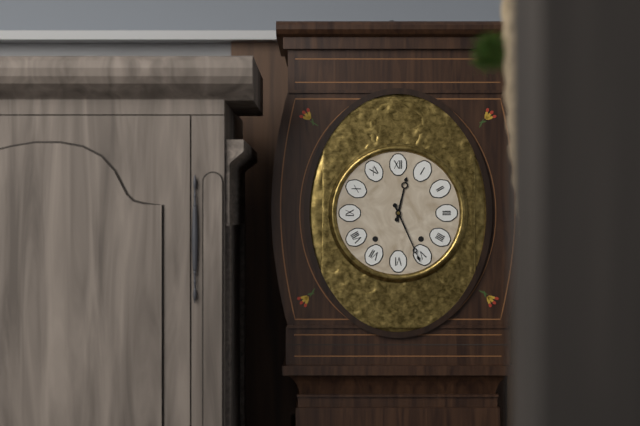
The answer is **12:26**
